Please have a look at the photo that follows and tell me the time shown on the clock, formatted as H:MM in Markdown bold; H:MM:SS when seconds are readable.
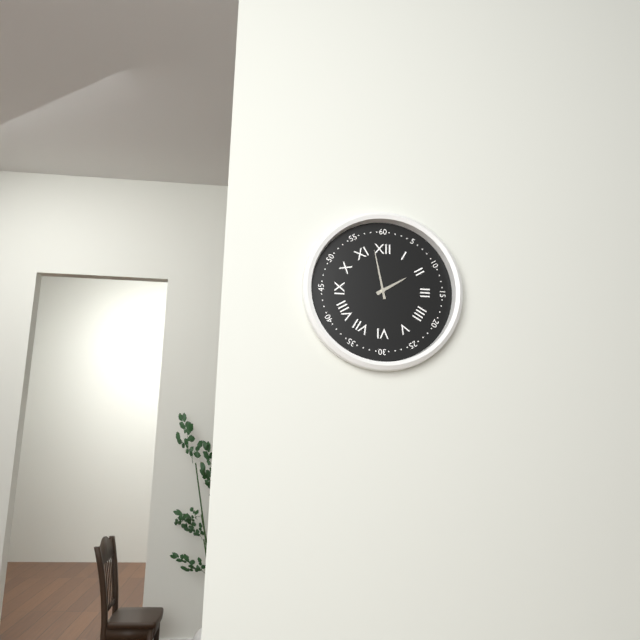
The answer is **1:58**
